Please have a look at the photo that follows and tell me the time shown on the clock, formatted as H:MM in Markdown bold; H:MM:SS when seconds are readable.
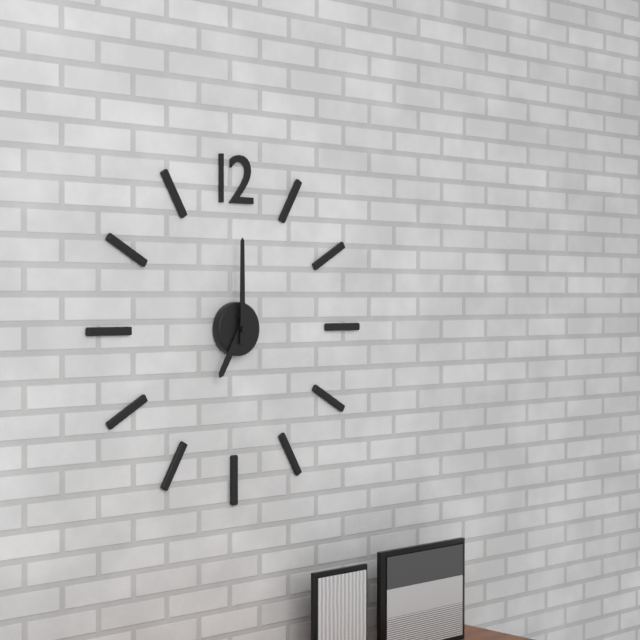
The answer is **7:00**
